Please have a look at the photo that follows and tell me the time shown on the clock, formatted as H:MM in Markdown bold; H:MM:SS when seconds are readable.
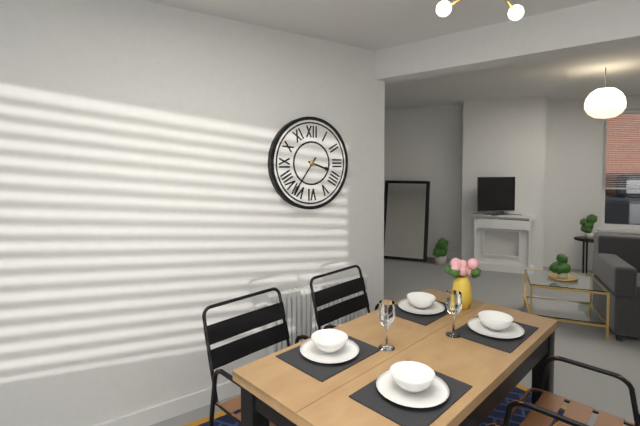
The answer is **3:36**
